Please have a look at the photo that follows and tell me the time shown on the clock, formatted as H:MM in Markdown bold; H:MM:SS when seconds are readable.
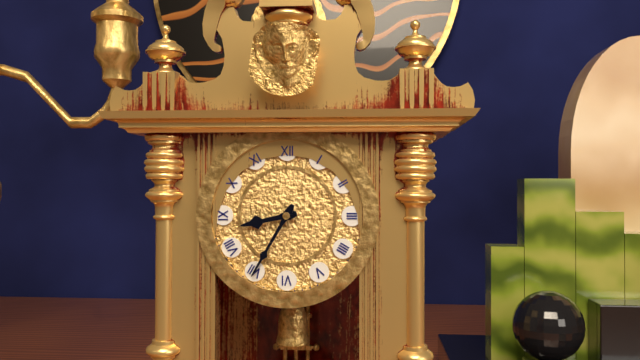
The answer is **8:35**
